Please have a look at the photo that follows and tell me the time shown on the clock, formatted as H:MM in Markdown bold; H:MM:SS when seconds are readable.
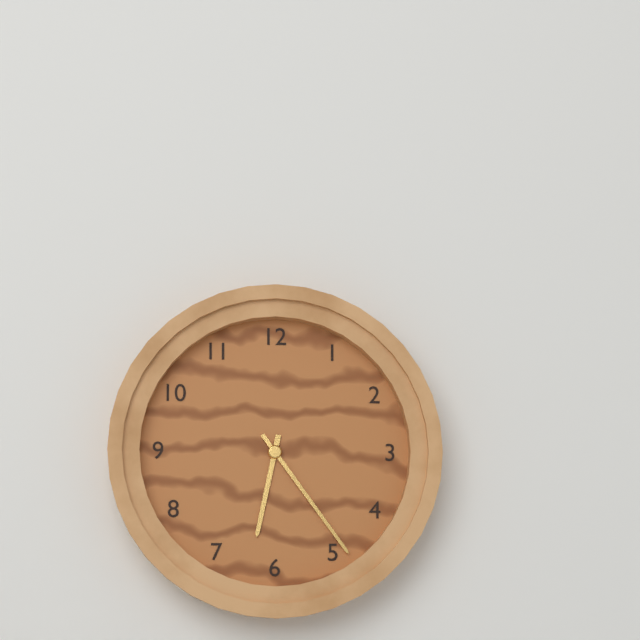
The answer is **6:24**
